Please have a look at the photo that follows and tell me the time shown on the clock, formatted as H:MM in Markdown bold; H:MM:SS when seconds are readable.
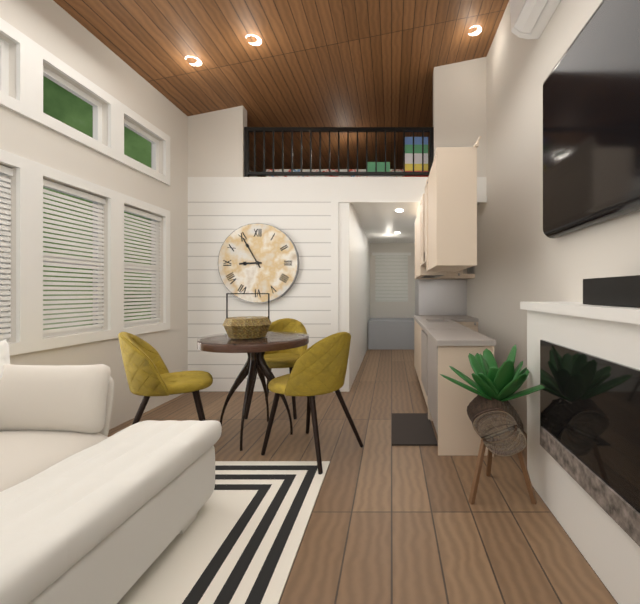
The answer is **8:55**
